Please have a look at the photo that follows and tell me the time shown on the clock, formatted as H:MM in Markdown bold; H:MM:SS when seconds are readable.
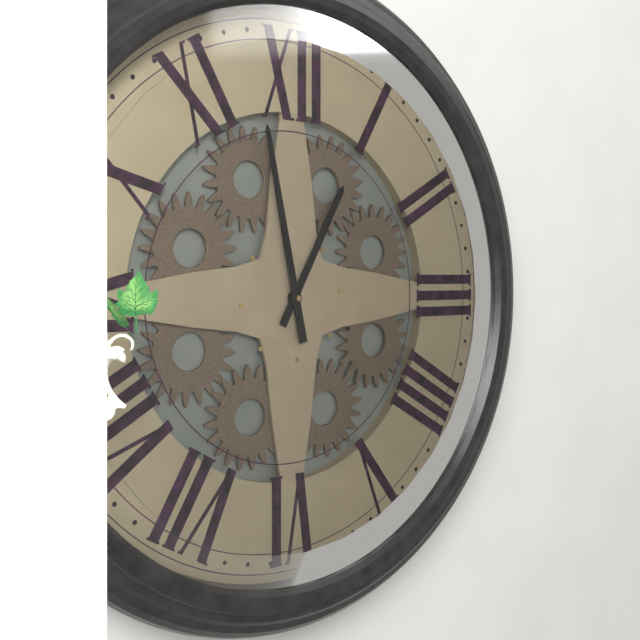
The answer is **12:58**
